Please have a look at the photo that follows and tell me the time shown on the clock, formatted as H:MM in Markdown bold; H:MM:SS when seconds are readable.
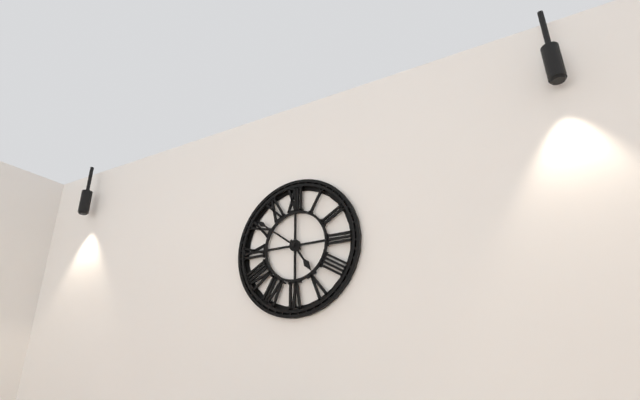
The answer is **4:51**
